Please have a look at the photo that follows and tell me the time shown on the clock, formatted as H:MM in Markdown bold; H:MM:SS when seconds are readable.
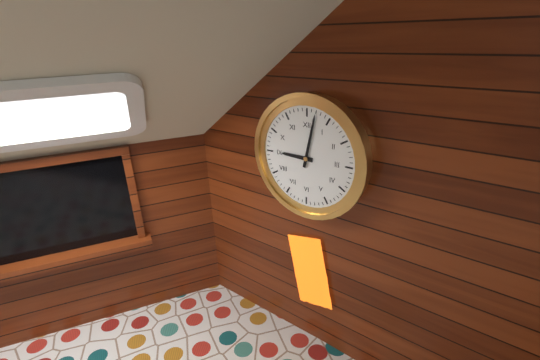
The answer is **9:02**
